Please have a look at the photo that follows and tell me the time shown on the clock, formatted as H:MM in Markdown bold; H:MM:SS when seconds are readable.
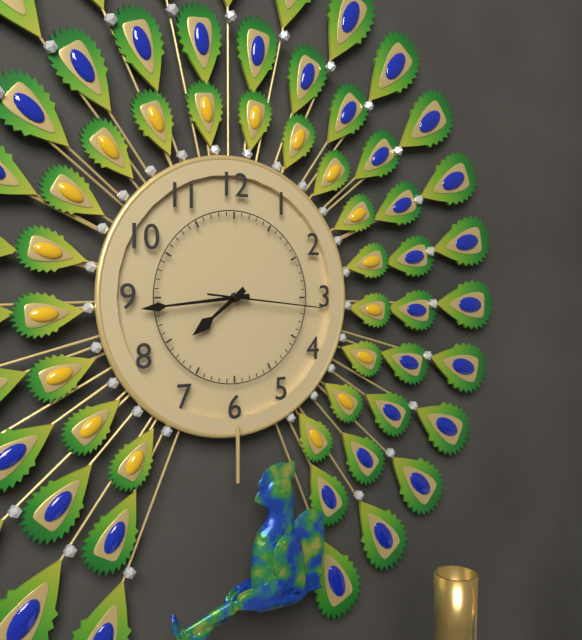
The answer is **7:44:16**
